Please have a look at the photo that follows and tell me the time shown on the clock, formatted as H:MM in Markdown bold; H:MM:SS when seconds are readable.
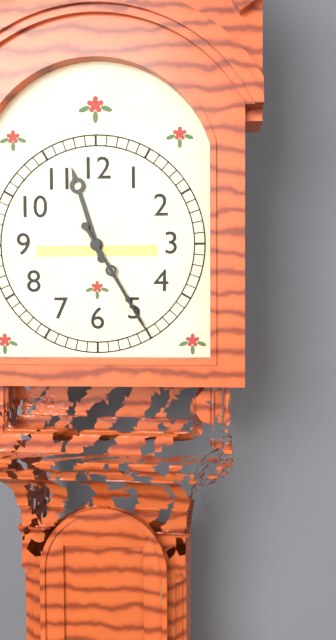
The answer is **11:25**
